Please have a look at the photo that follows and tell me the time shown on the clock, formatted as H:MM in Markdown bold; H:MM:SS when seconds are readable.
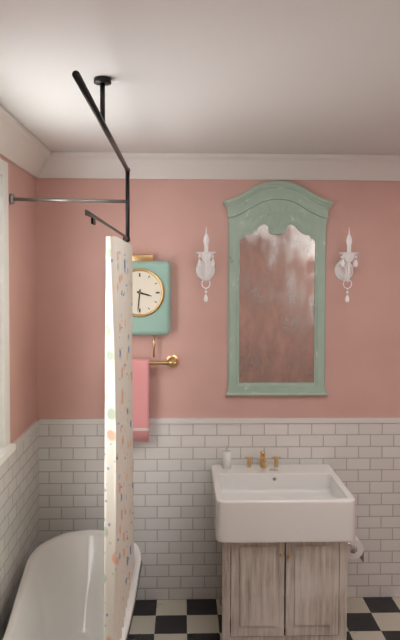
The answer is **3:31**
